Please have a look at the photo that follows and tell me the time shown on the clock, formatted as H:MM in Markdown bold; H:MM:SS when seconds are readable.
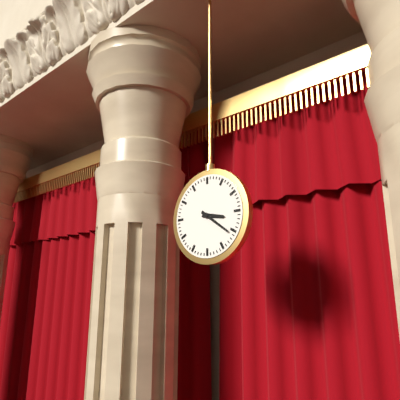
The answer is **3:21**
